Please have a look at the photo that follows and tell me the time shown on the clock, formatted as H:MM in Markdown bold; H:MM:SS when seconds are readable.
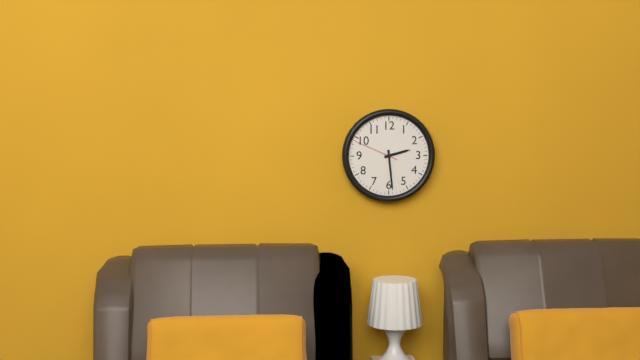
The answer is **2:29**
